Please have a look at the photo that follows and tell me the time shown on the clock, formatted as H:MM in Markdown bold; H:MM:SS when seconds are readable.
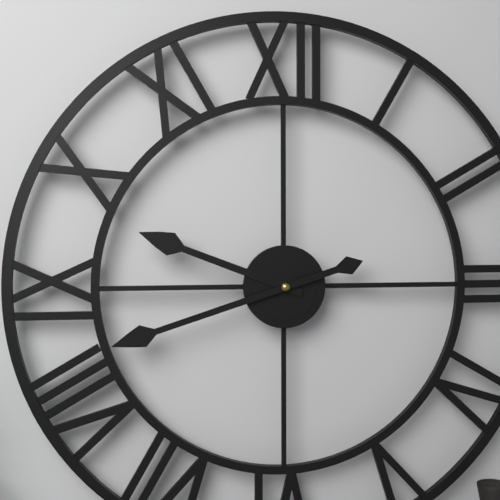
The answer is **9:42**
